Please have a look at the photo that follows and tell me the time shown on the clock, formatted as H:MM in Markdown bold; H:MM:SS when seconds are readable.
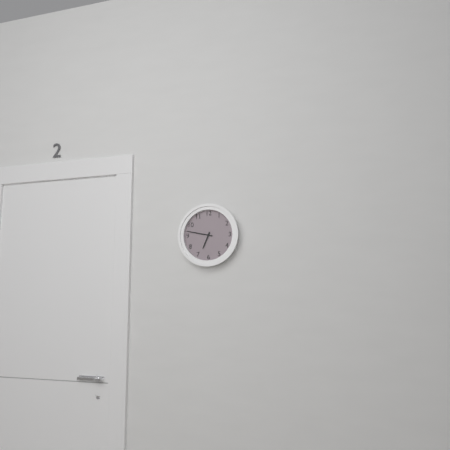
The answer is **6:47**
